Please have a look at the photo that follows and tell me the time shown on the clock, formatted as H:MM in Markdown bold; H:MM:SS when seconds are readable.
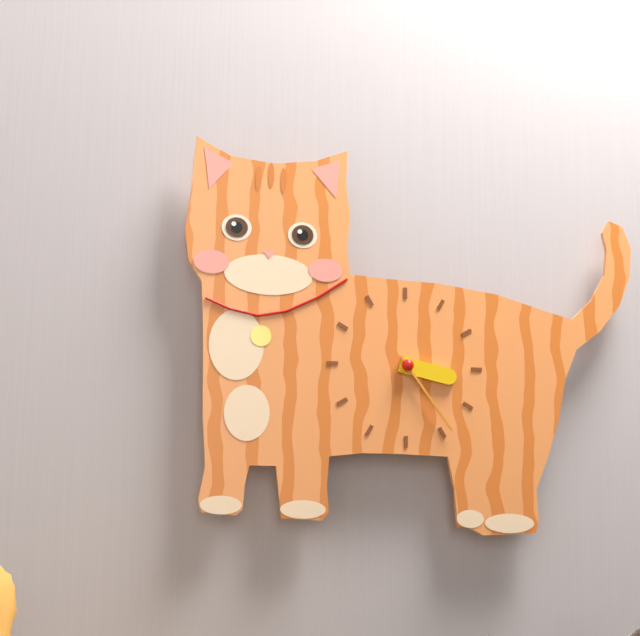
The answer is **3:24**
